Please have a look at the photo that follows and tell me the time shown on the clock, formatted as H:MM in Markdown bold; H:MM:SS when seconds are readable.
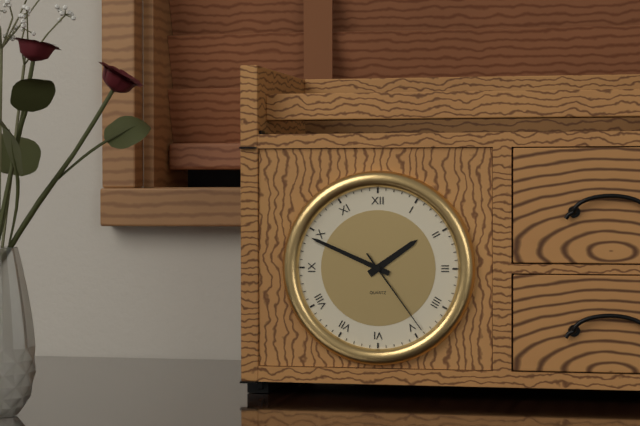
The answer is **1:49:24**
